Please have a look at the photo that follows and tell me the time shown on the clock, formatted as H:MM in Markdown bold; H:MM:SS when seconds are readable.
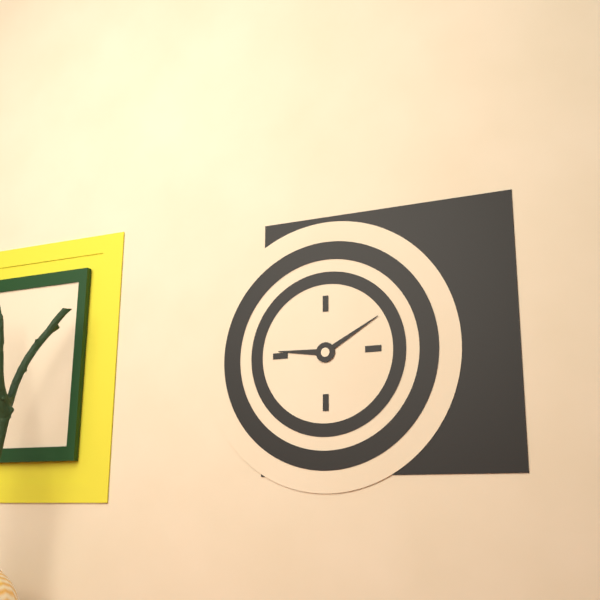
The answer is **9:10**
